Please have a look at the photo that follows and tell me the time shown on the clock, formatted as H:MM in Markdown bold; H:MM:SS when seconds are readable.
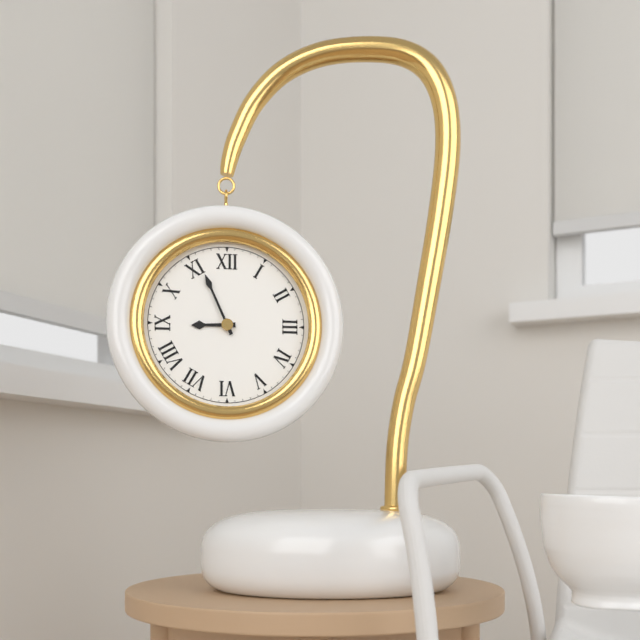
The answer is **8:56**
